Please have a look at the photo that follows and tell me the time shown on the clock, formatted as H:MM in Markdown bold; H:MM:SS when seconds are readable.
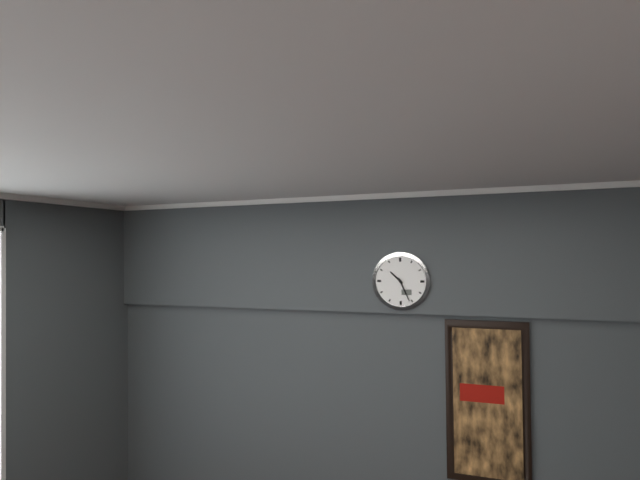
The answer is **10:26**
